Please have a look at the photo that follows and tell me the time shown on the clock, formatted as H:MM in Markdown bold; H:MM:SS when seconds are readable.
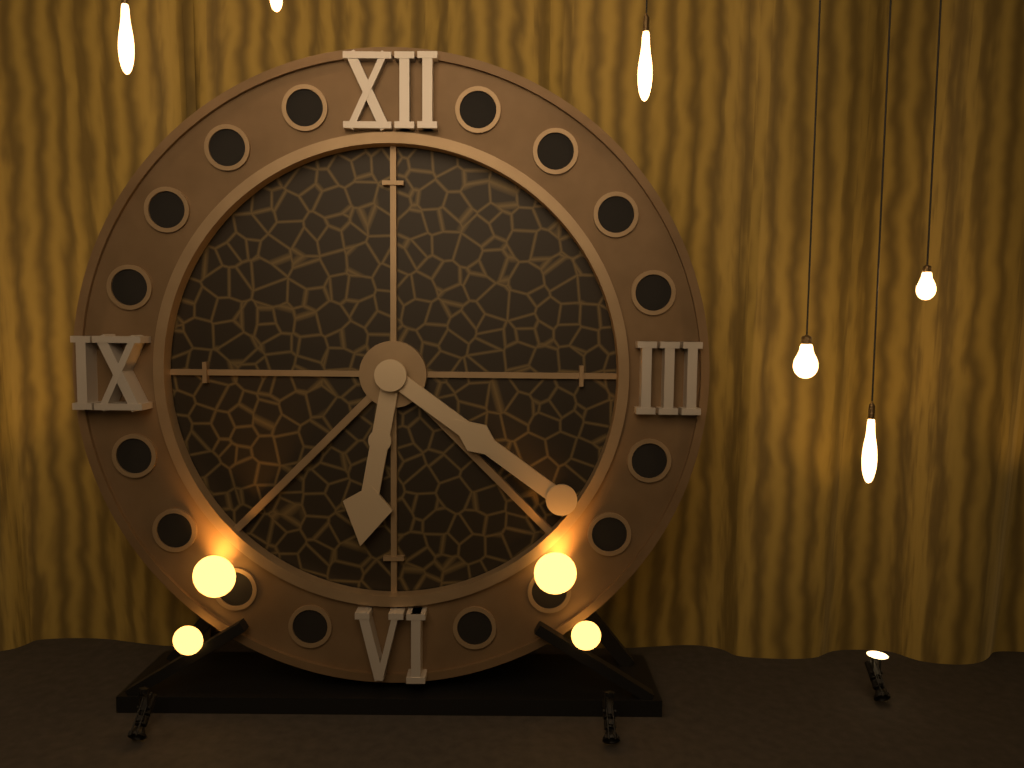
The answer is **6:21**
